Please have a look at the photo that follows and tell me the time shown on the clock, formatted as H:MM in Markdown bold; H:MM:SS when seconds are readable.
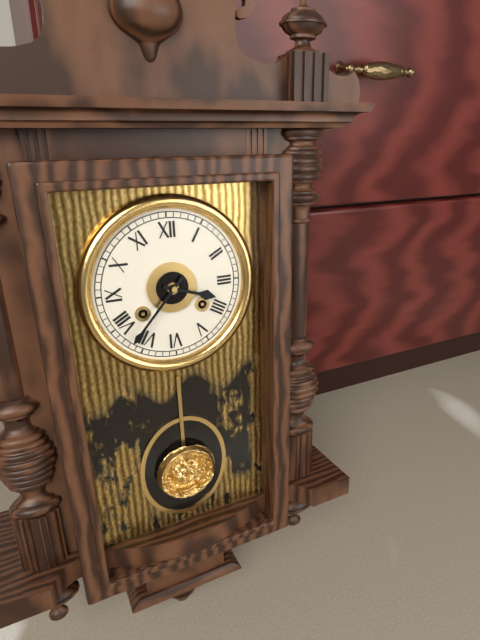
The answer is **3:37**
